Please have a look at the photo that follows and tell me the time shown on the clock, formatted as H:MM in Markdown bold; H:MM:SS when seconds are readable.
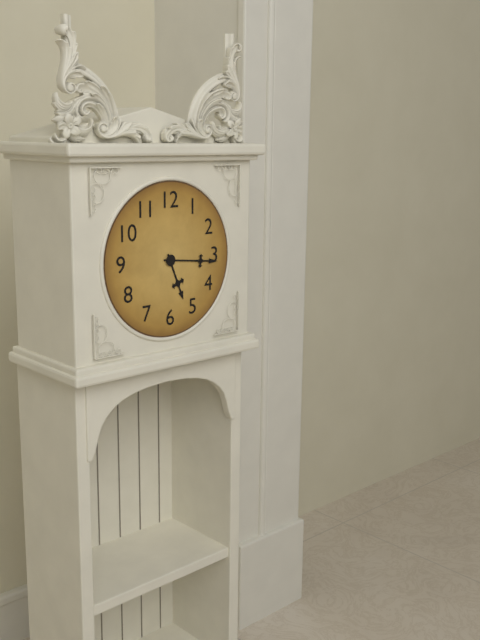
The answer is **5:16**
